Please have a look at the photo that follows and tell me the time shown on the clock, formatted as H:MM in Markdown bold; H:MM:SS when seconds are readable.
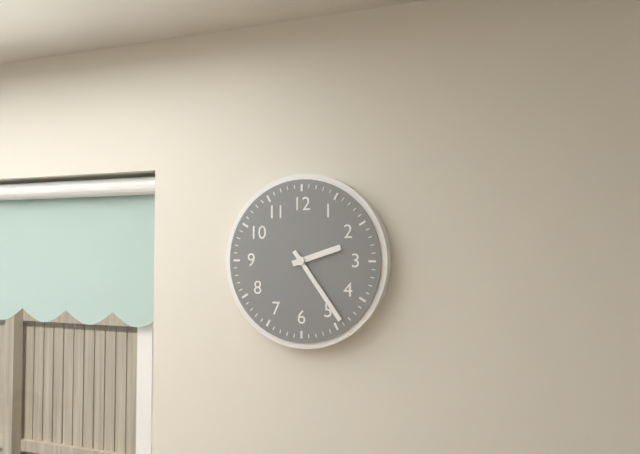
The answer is **2:24**
